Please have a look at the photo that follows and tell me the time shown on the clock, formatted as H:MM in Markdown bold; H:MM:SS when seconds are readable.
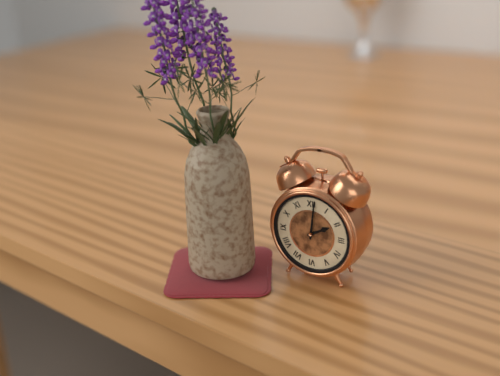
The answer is **2:01**
